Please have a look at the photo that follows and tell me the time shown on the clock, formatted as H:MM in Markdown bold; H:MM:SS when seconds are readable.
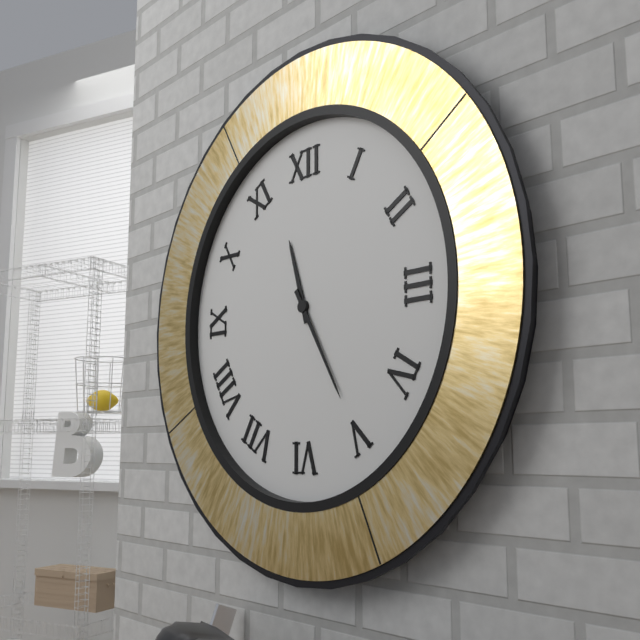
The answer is **11:25**
